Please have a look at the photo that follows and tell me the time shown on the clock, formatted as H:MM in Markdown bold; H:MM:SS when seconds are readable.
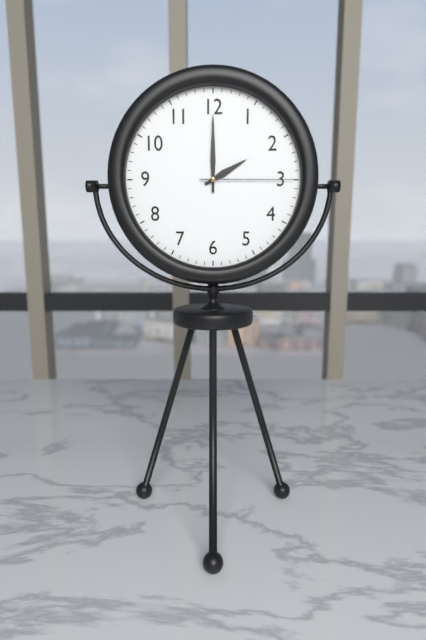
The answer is **2:00:15**
